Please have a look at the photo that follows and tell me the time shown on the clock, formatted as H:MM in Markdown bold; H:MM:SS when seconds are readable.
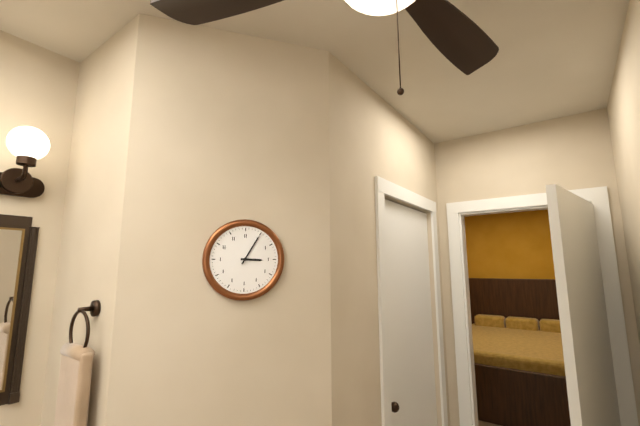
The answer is **3:05**
